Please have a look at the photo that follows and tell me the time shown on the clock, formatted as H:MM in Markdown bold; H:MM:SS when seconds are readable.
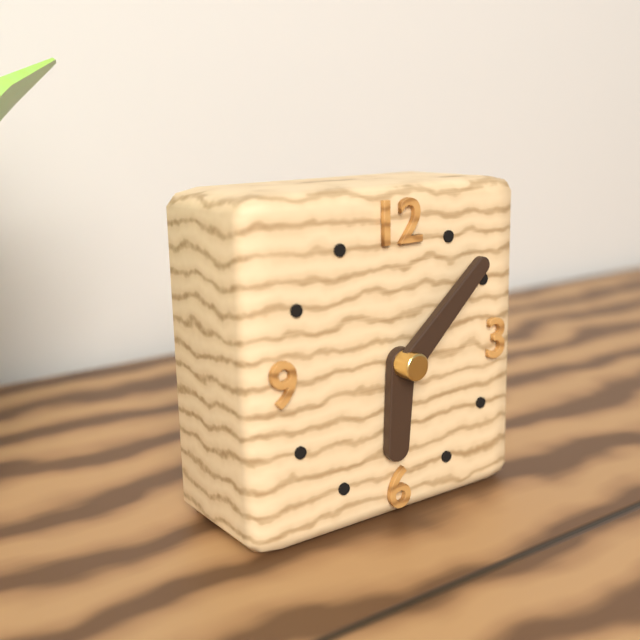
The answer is **6:08**
